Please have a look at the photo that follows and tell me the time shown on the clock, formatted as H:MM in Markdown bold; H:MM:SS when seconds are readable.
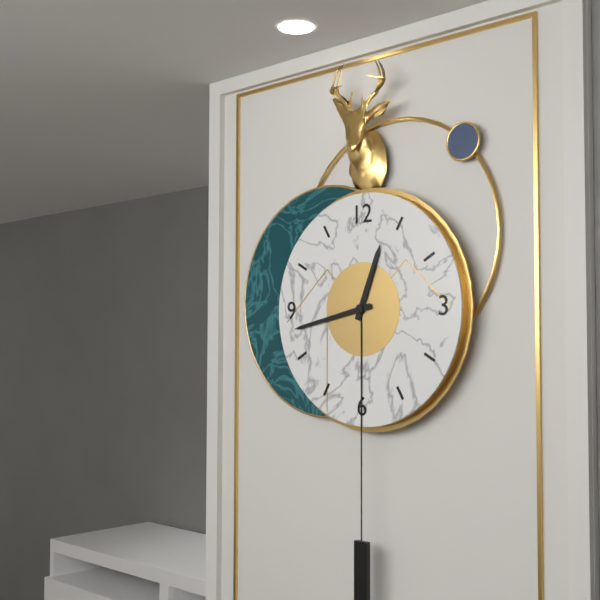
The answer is **12:43**
